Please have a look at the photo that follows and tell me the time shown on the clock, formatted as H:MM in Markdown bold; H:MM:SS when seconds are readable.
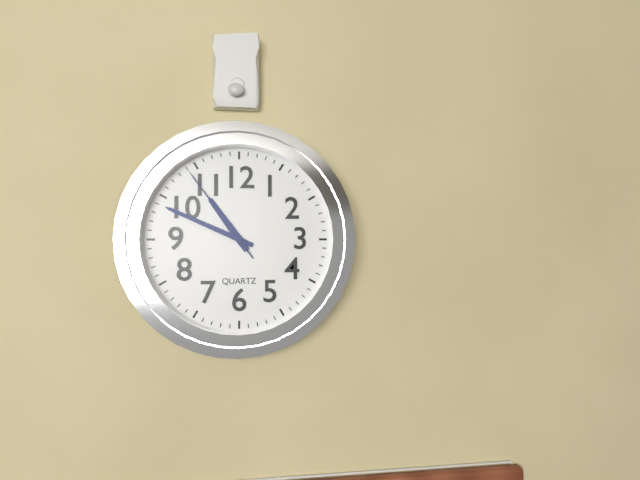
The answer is **10:49:54**
